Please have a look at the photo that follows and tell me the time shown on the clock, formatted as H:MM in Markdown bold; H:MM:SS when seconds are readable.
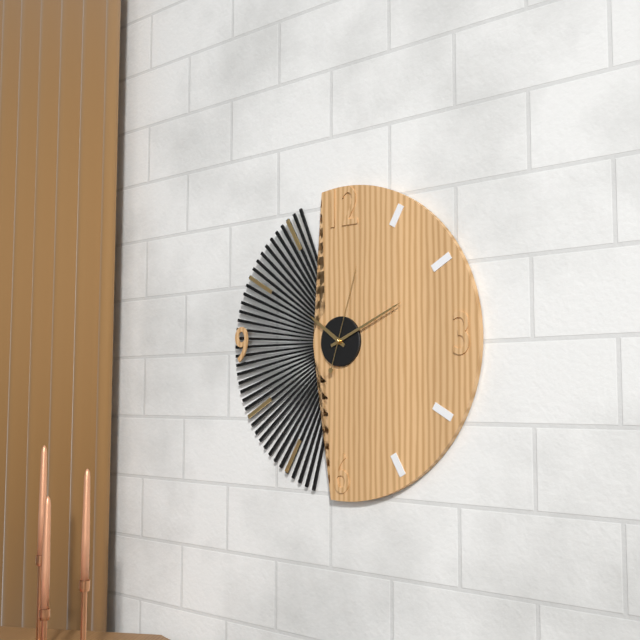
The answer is **10:11:03**
